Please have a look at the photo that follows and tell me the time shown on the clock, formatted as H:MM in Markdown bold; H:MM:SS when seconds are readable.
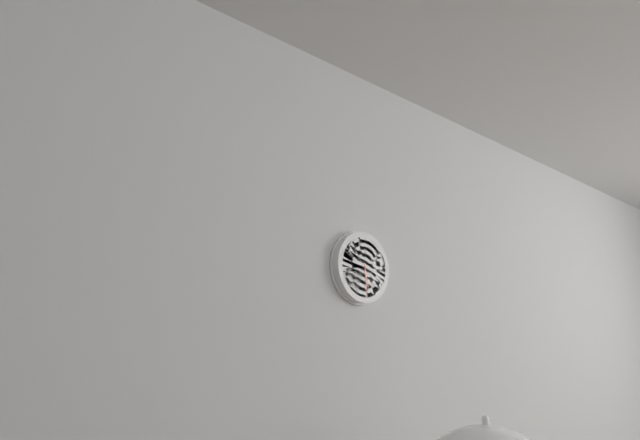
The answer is **5:29**
